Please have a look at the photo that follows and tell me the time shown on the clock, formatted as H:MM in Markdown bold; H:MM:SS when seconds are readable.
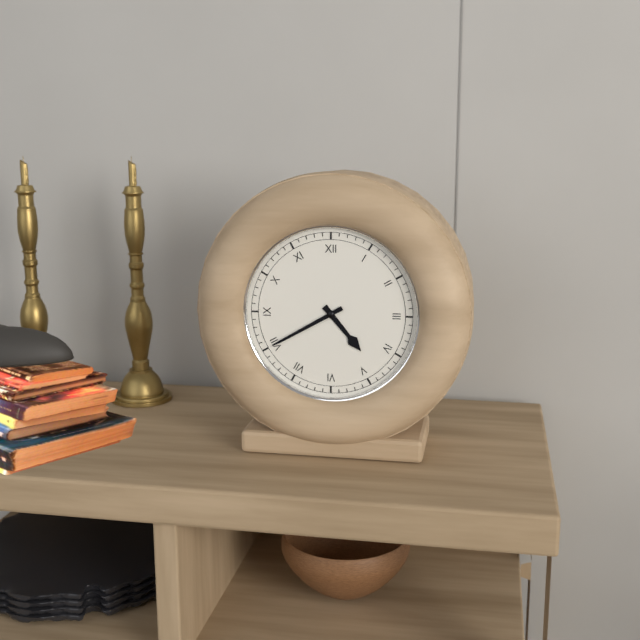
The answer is **4:40**
